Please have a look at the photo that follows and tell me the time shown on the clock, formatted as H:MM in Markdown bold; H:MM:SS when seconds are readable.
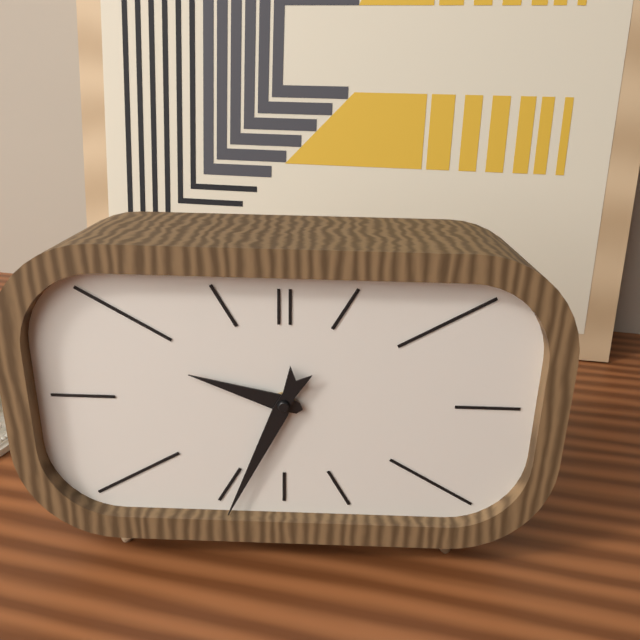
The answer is **9:34**
